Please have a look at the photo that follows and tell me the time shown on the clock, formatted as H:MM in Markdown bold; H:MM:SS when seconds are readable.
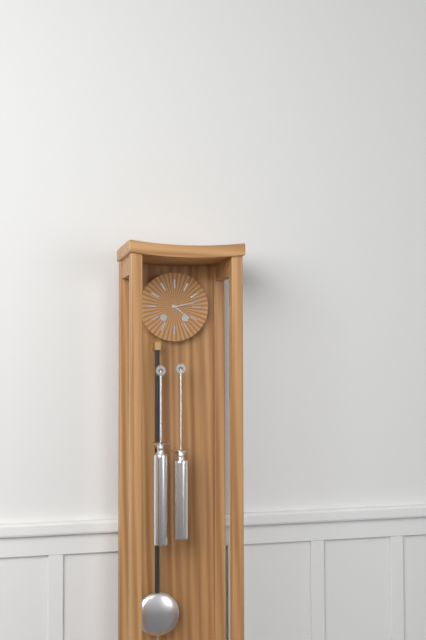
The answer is **4:13**
